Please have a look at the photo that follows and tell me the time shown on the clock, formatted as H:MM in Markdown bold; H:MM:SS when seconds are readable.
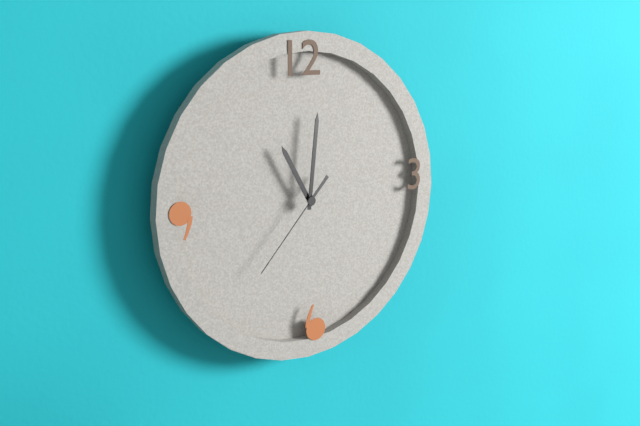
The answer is **11:01:37**
